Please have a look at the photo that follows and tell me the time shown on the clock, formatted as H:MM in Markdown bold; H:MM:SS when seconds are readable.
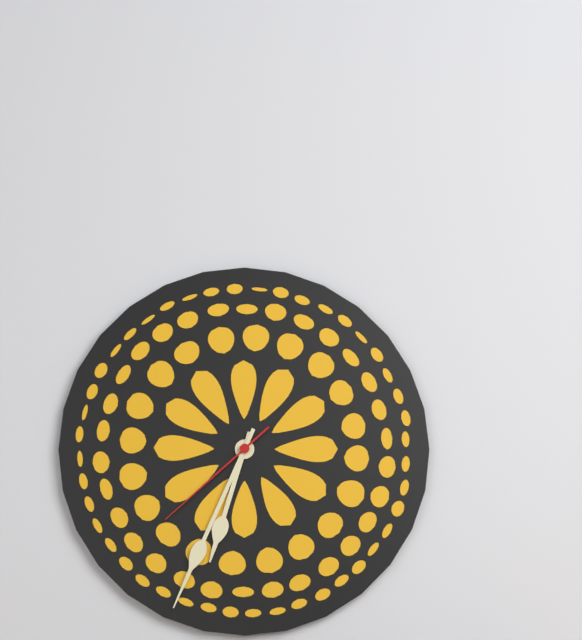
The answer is **6:34:38**
